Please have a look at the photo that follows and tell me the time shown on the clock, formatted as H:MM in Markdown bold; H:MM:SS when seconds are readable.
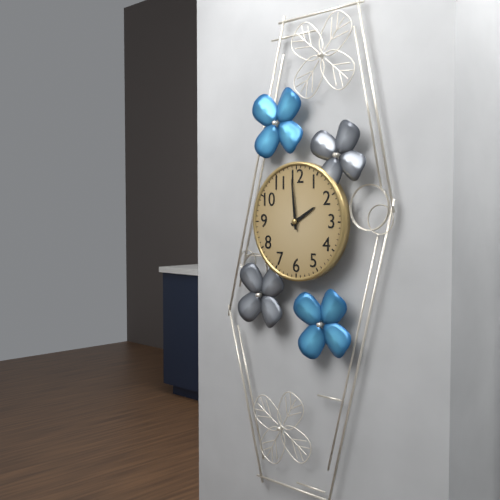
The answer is **1:59**
